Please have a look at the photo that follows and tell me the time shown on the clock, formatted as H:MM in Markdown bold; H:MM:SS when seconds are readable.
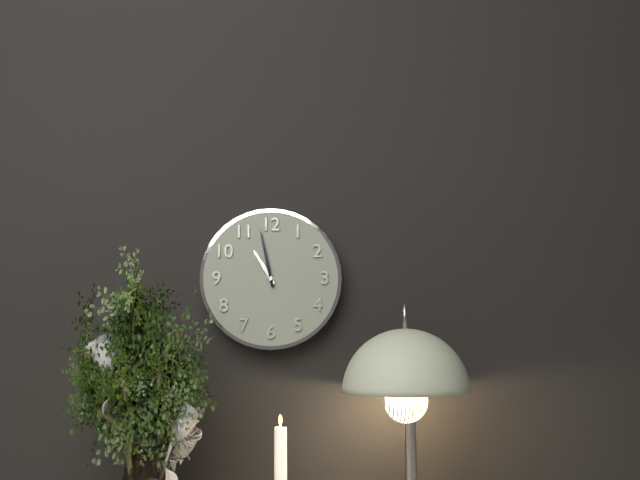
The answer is **10:58**
